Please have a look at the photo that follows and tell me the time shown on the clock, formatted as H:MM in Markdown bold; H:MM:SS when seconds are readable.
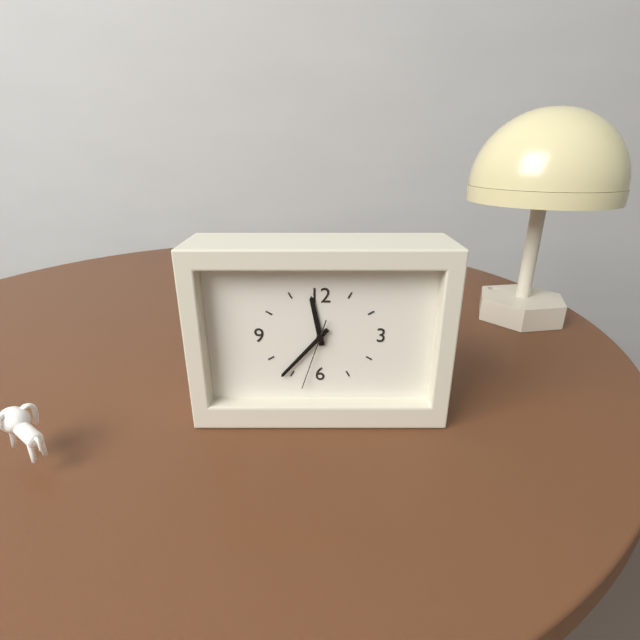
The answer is **11:37:33**
